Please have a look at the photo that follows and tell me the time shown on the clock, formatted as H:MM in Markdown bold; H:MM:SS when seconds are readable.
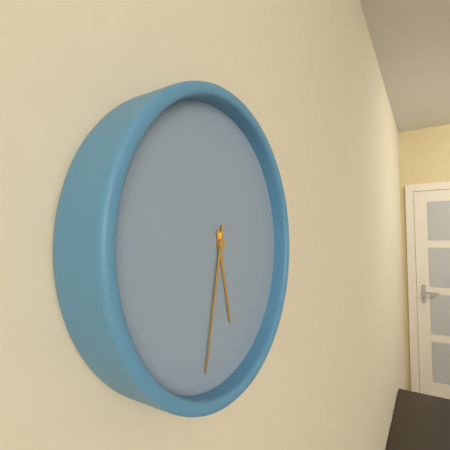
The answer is **5:32**
